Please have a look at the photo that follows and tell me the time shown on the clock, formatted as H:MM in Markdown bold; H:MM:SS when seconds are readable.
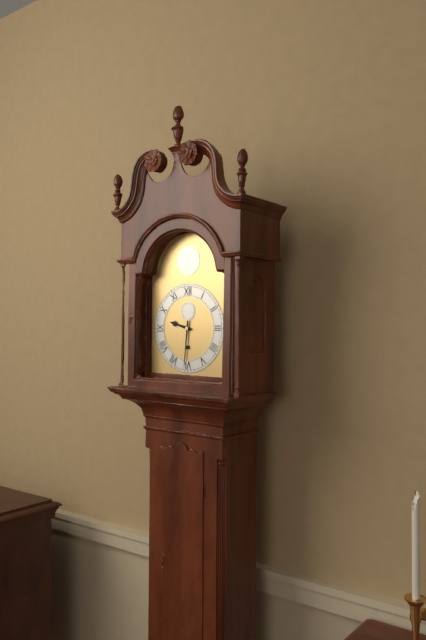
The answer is **9:31**
